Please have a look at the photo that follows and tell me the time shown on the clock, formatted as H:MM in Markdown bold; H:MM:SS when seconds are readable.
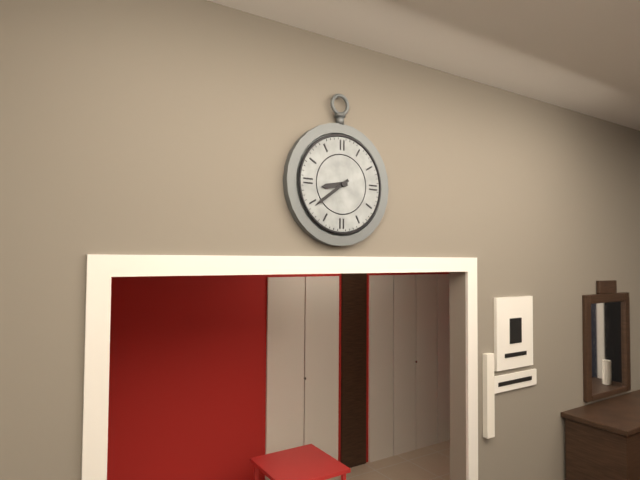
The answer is **8:39**
